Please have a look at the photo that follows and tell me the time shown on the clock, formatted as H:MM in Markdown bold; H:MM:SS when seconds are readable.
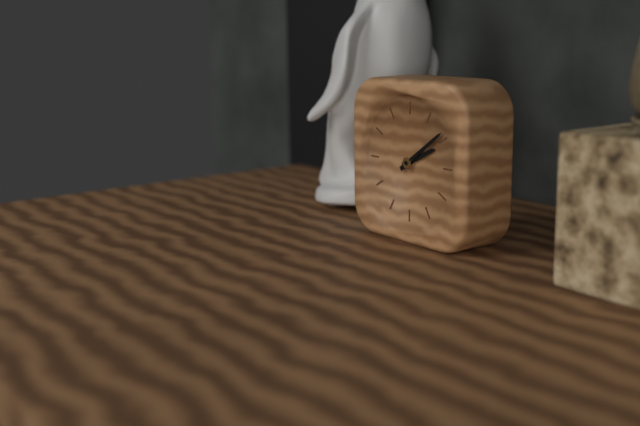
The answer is **2:09**
